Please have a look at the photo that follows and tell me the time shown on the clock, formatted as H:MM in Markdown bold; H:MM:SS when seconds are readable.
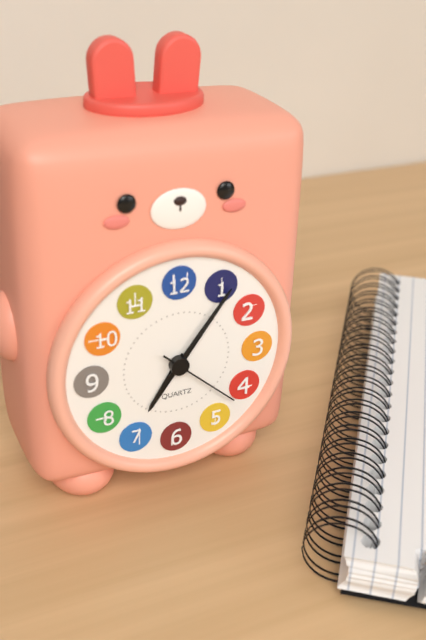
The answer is **7:06:22**
